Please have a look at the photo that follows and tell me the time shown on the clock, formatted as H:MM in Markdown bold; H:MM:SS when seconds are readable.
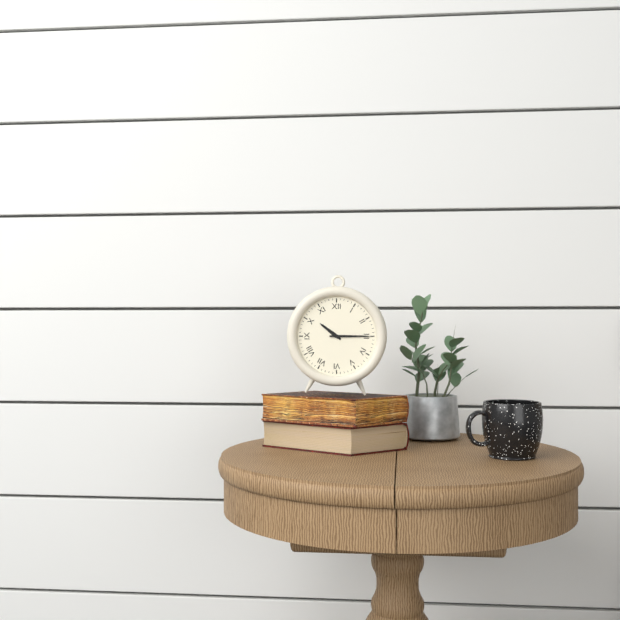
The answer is **10:15**
